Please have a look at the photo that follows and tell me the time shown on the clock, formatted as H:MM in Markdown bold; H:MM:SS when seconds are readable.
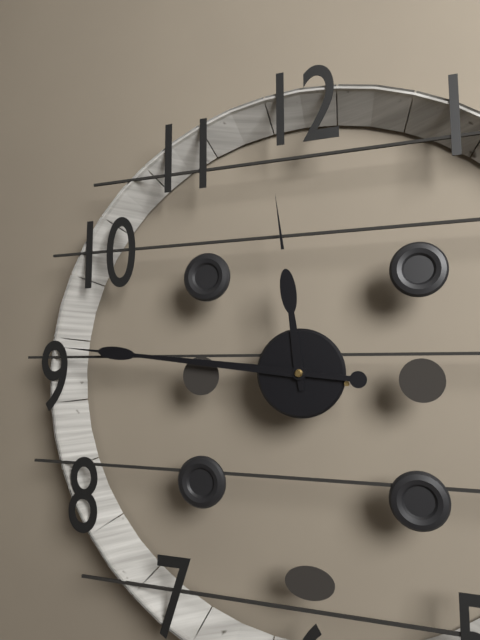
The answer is **11:46**
